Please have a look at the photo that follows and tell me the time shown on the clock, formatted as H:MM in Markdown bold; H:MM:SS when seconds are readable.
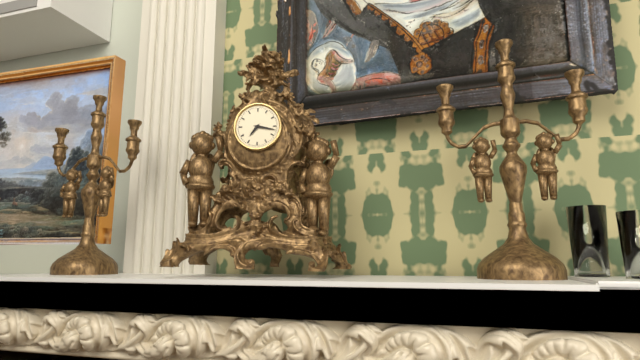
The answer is **7:17**
